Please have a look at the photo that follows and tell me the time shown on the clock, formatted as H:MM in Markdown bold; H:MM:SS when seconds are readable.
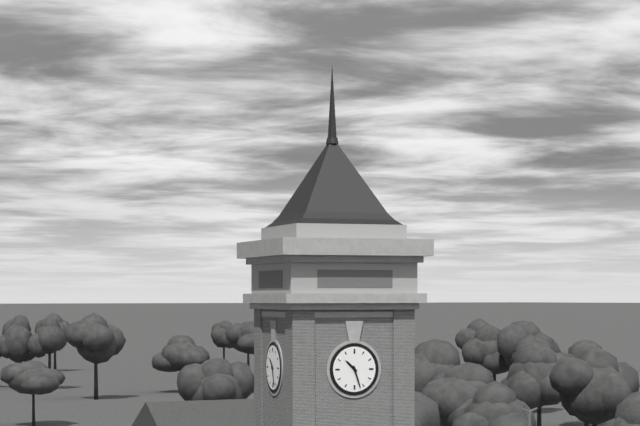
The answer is **10:27**
